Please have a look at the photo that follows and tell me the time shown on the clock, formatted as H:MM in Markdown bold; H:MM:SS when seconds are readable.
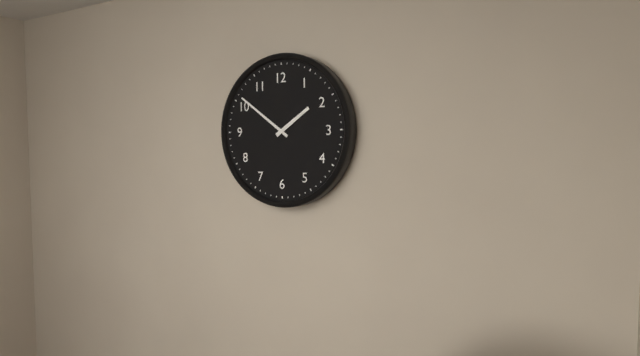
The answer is **1:51**
